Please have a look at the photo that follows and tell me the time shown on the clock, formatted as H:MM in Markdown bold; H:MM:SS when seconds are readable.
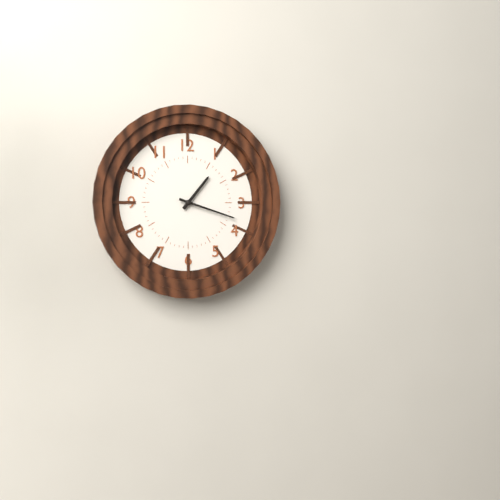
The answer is **1:18**
